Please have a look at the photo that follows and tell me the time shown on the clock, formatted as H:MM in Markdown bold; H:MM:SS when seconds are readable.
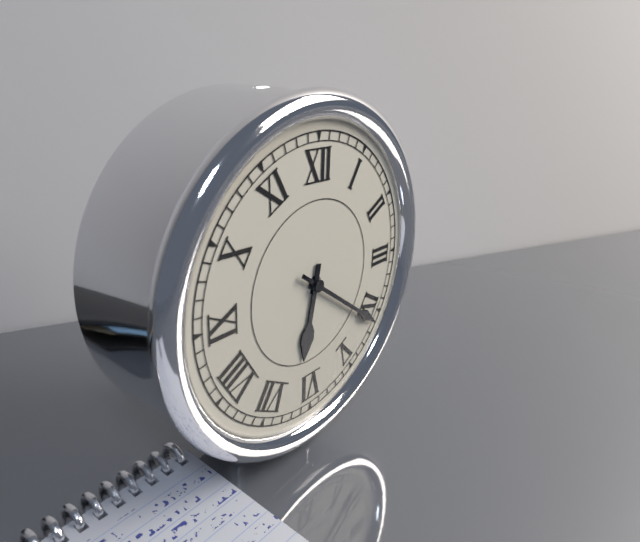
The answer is **6:21**
